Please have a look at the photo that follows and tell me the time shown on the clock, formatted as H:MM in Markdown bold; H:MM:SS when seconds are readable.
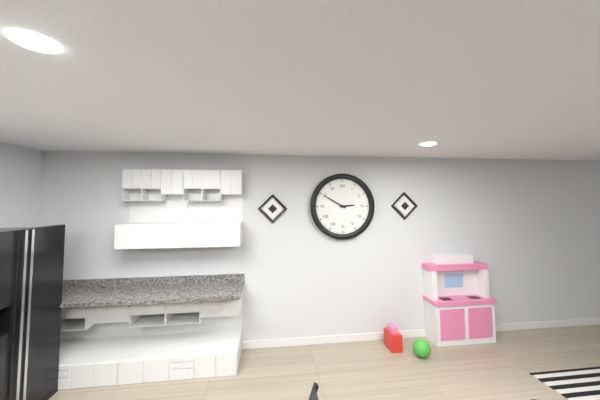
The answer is **2:50**
